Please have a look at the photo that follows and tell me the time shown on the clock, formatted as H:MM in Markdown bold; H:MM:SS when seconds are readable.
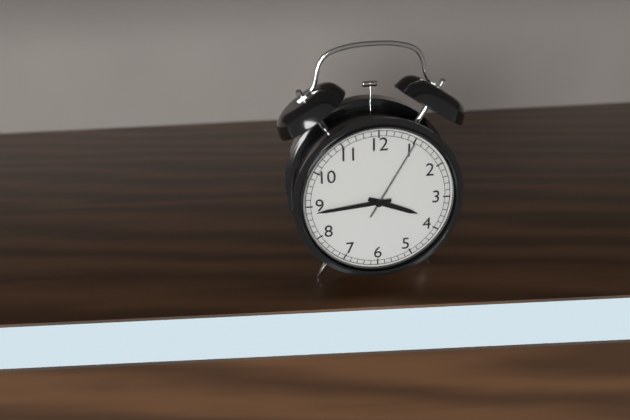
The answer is **3:44:05**
